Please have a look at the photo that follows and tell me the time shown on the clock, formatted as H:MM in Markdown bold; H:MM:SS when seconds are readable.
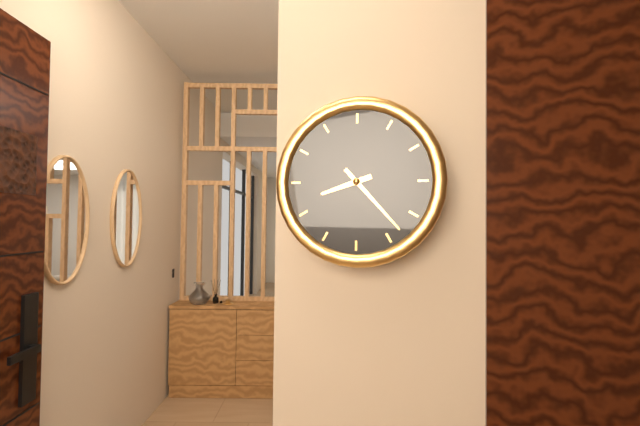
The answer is **8:23**
